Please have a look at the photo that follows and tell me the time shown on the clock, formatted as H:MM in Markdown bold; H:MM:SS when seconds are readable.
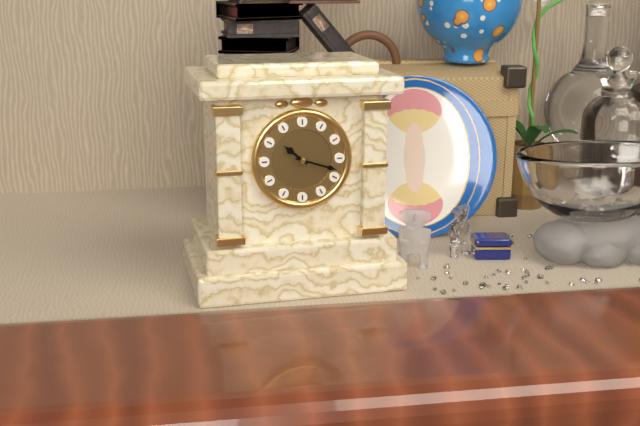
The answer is **10:18**
